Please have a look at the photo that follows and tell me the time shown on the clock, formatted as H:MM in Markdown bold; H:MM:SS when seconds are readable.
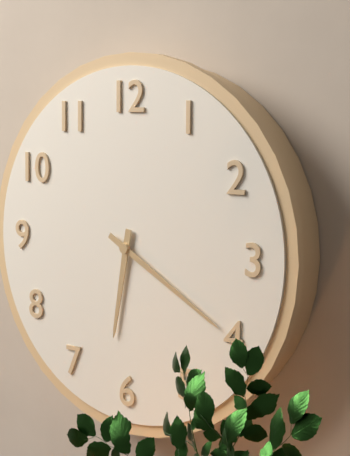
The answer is **6:20**
